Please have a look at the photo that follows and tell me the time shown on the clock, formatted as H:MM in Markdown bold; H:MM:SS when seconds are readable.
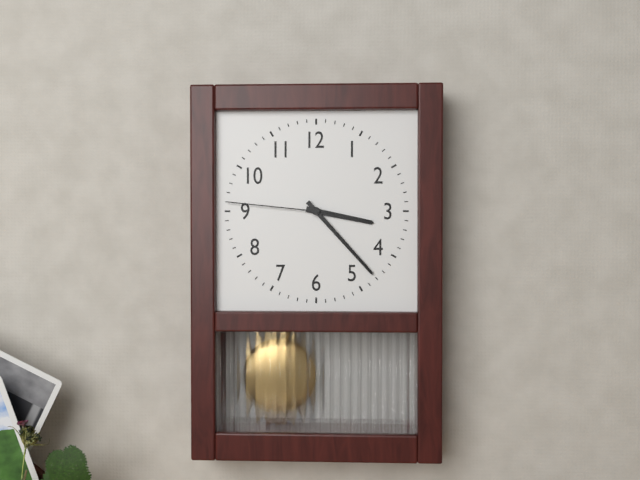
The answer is **3:23:46**
